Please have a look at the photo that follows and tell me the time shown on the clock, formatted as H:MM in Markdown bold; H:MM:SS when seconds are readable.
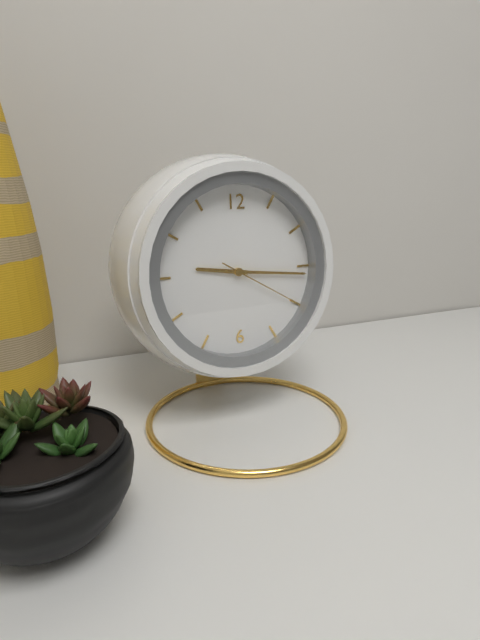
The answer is **9:16:20**
